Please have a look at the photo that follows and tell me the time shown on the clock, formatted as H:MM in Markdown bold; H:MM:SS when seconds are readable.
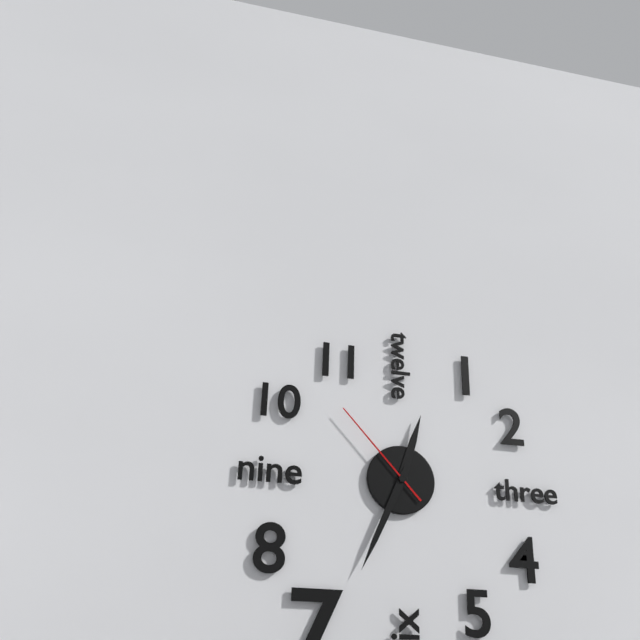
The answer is **12:34:53**
